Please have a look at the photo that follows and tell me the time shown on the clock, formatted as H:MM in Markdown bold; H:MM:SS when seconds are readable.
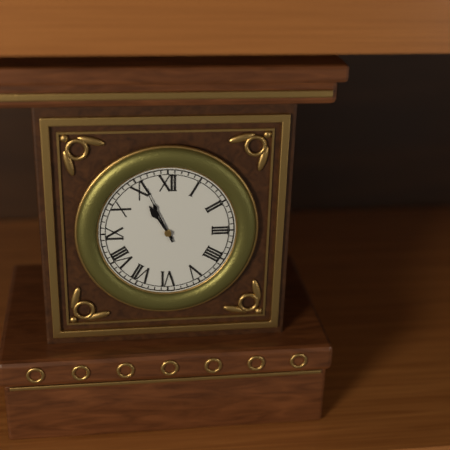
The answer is **10:56**
